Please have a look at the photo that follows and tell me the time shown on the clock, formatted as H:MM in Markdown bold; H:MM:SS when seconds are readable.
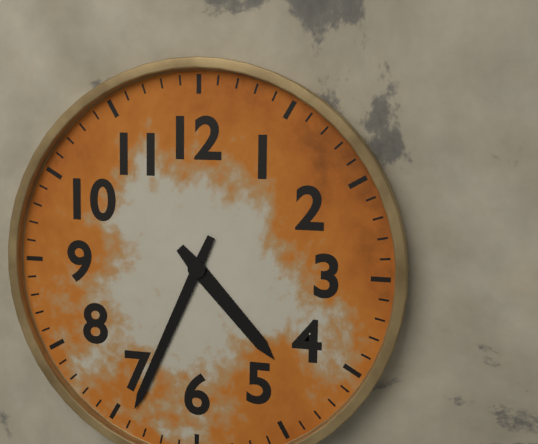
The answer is **4:34**
